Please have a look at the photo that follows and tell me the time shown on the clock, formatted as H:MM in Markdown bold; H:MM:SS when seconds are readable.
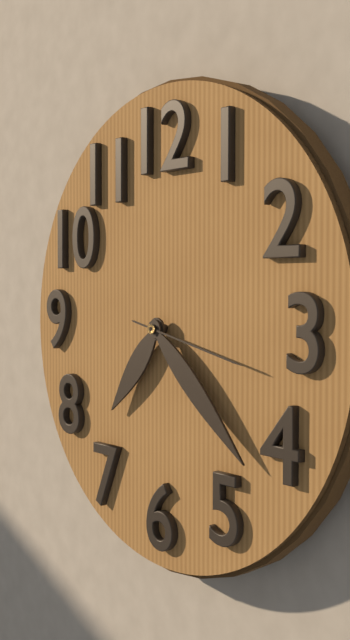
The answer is **7:22:17**
